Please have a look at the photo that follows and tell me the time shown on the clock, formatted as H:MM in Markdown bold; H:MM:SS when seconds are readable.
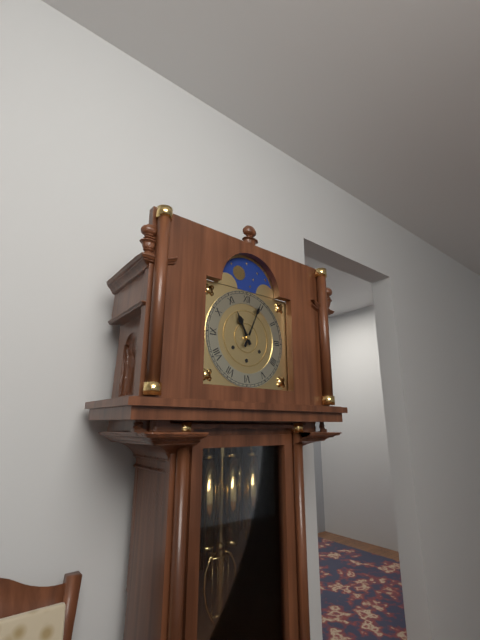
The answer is **11:04**
